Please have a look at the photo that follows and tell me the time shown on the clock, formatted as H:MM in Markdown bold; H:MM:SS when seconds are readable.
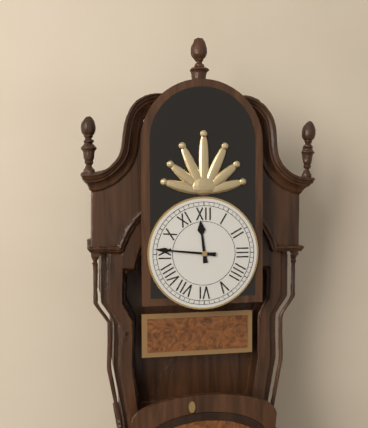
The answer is **11:46**
